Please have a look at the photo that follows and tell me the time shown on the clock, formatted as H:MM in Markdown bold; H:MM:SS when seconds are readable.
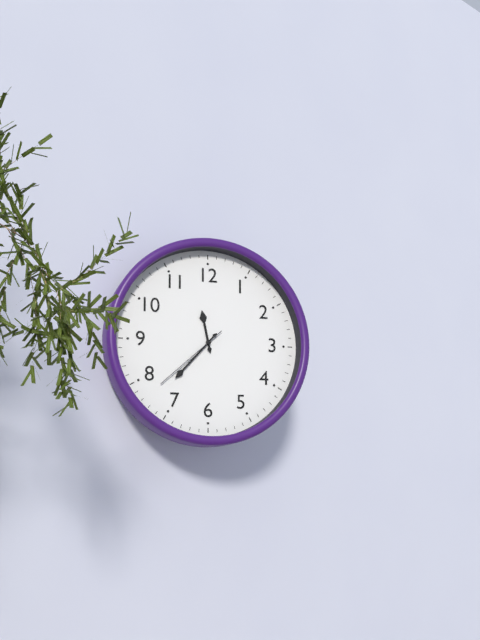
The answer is **11:37:38**
